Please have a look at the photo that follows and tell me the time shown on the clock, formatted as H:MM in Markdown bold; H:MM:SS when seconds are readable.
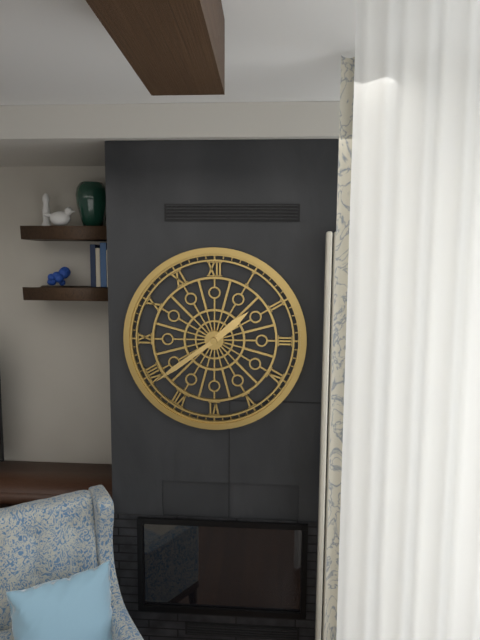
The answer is **1:39**
